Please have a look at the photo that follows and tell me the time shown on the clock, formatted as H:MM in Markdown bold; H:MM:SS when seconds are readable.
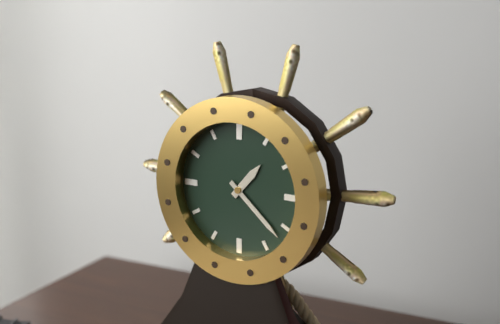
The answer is **1:22**
